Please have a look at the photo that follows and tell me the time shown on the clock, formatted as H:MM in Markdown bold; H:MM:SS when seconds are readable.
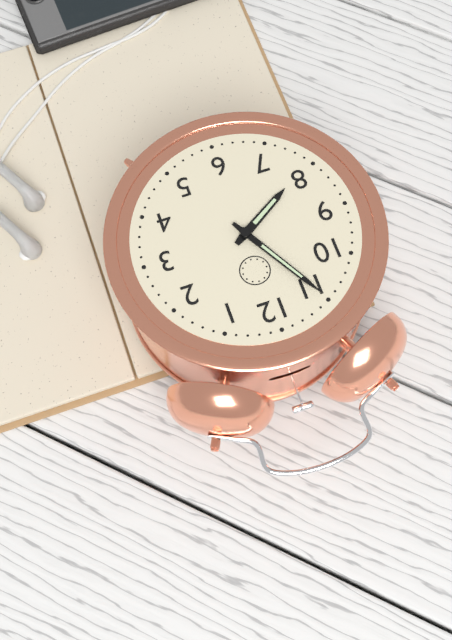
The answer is **7:55**
